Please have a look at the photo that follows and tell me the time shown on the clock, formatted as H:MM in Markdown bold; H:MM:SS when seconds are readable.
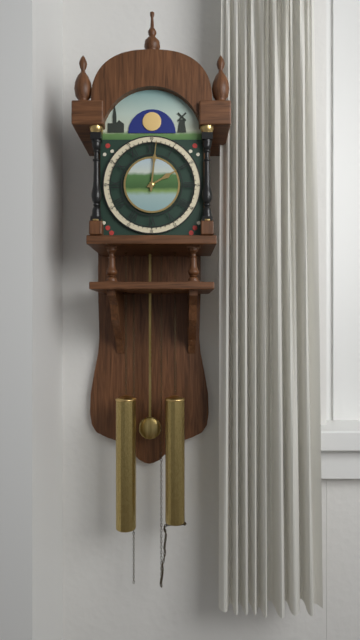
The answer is **2:01**
